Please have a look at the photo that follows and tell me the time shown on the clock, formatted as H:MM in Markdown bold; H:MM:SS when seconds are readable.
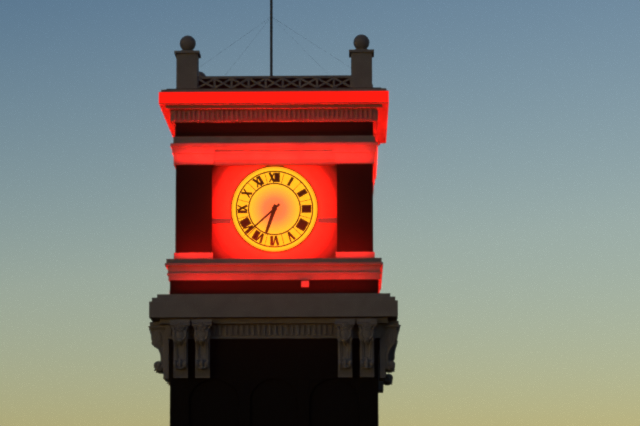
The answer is **6:38**
